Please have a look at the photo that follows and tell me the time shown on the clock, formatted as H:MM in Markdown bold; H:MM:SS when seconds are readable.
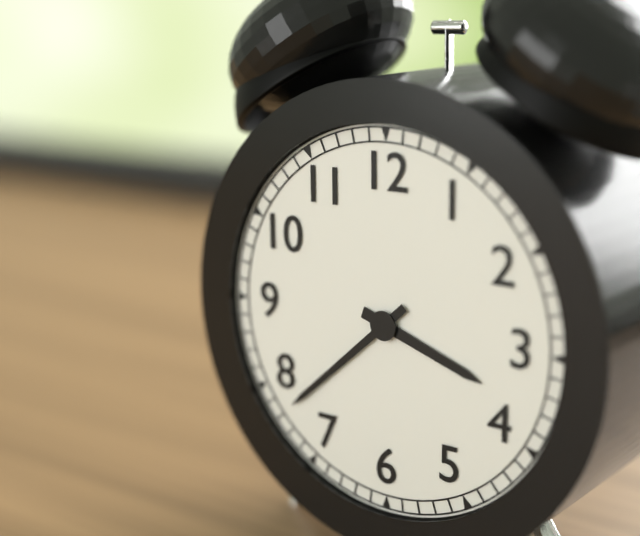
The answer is **3:38**
